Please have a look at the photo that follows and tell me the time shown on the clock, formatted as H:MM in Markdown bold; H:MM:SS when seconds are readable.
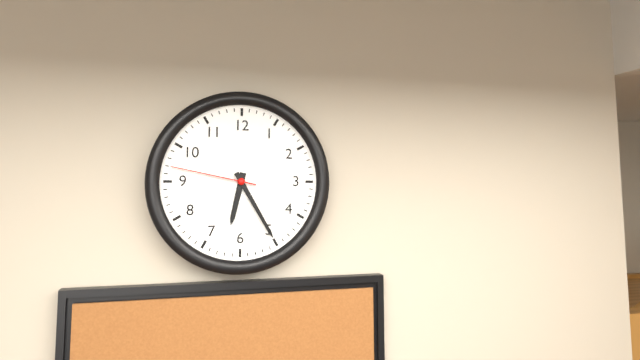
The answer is **6:25:47**
